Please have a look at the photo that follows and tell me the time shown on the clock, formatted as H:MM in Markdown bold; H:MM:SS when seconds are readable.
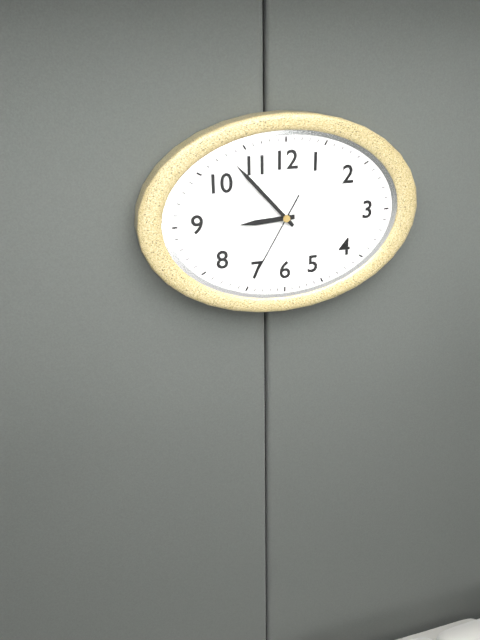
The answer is **8:53:35**
